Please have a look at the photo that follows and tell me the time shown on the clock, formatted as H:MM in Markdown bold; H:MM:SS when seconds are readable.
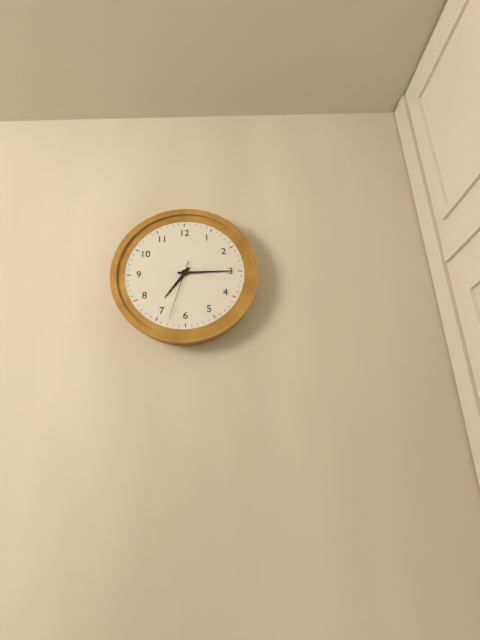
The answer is **7:15:33**
